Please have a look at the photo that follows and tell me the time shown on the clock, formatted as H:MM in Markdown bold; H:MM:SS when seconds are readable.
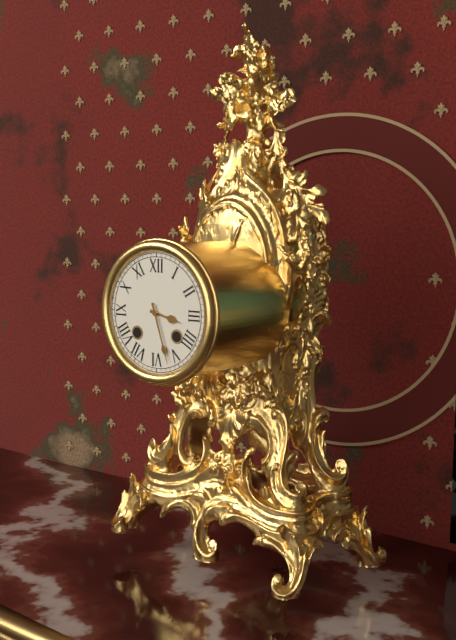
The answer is **3:27**
